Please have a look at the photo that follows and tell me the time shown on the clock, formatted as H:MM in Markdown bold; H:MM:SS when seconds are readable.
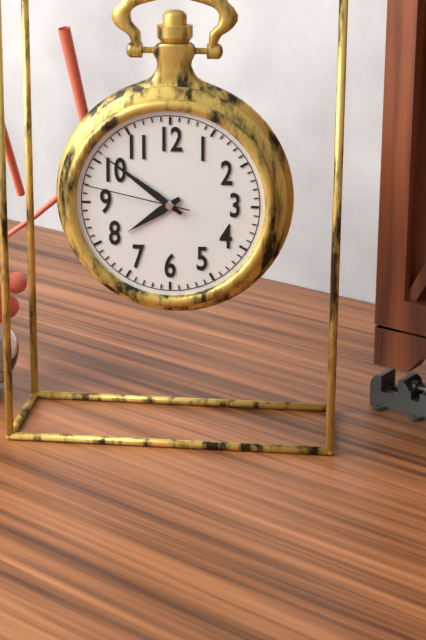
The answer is **7:51:47**
